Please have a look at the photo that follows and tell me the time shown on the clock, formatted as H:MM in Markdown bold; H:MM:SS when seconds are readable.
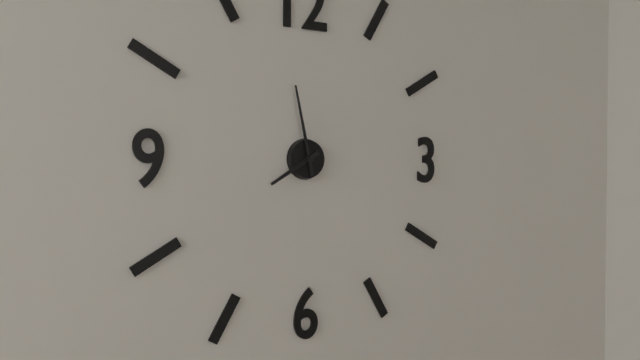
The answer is **7:58**
